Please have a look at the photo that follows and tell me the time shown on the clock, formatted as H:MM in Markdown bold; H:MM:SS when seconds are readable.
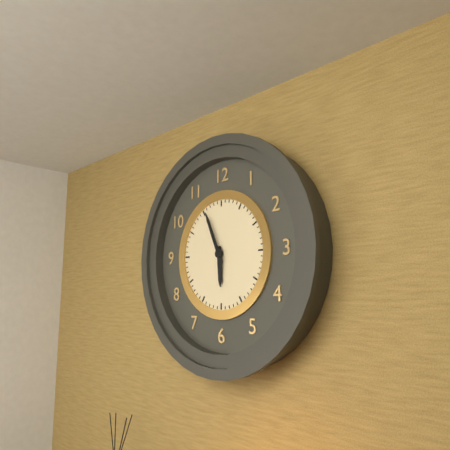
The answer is **5:56**
